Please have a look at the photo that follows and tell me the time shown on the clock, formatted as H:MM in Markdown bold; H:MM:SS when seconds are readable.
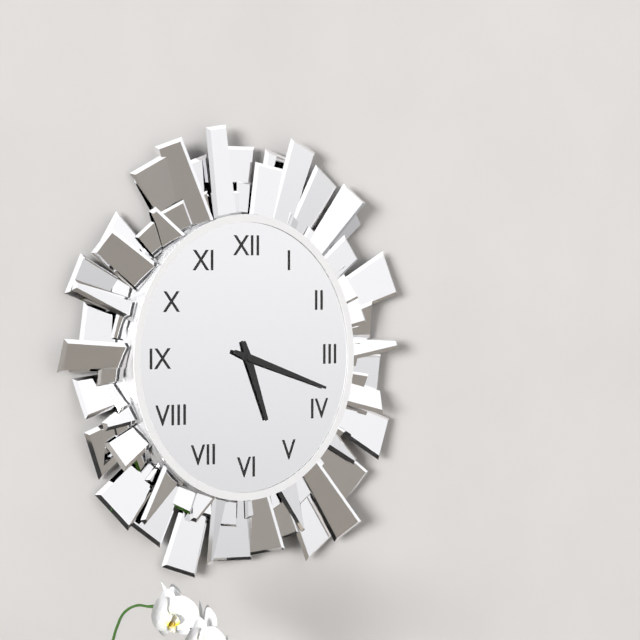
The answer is **5:18**
